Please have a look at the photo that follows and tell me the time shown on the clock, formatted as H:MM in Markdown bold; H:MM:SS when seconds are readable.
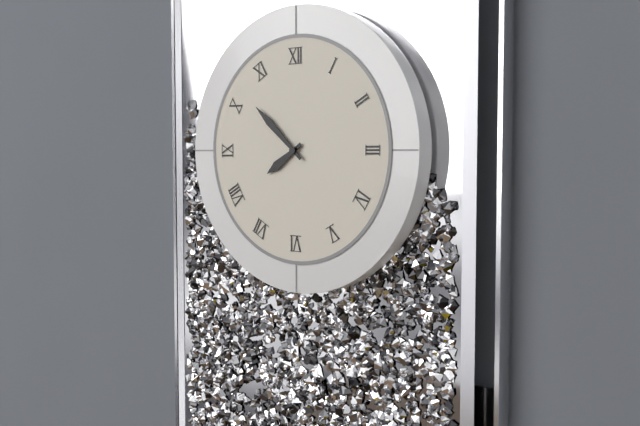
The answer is **7:52**
